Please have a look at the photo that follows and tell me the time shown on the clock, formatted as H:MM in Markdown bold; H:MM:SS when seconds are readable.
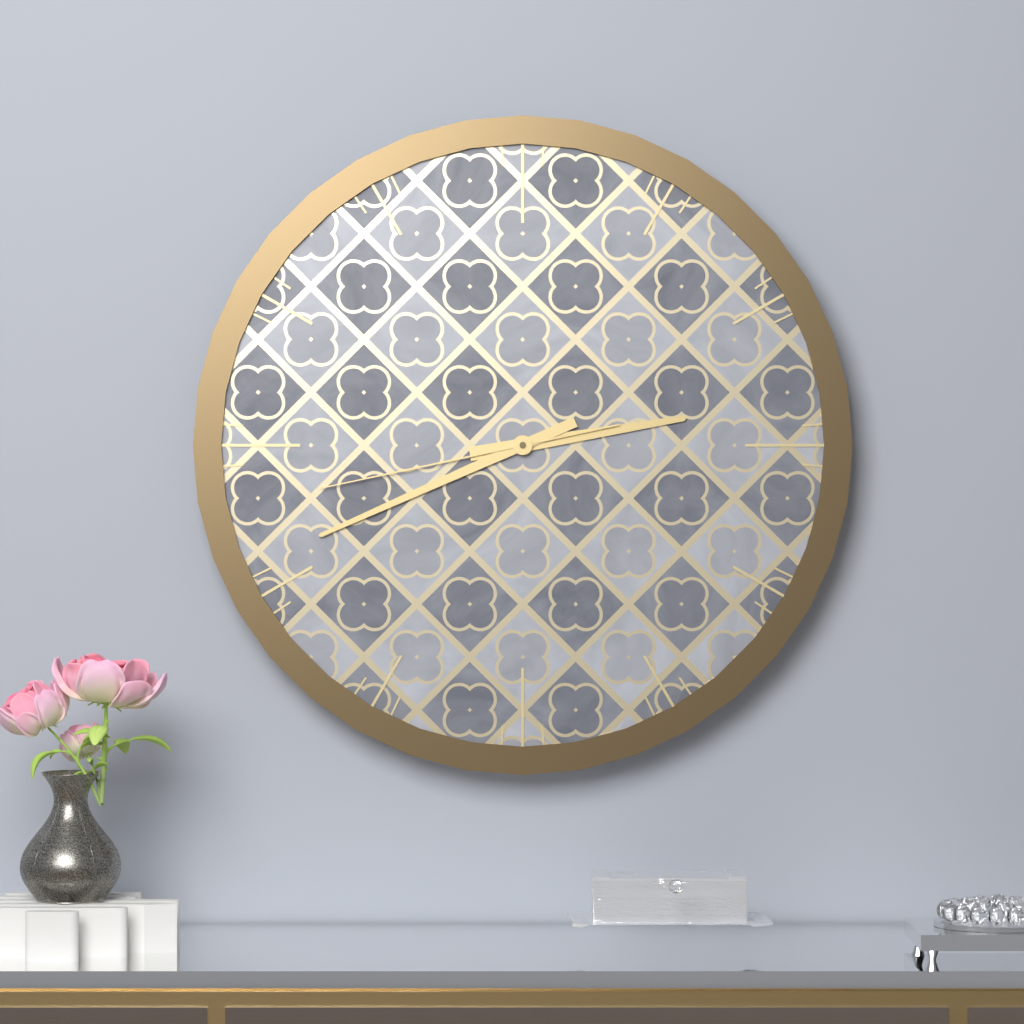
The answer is **2:41:43**
